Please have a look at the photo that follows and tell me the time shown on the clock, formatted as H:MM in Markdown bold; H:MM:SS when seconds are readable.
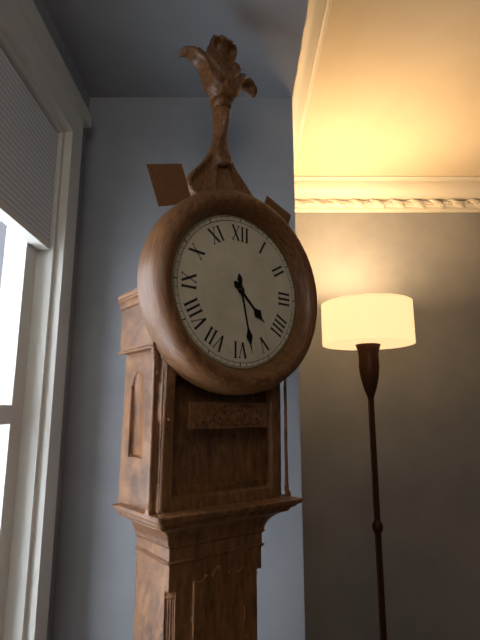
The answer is **4:28**
